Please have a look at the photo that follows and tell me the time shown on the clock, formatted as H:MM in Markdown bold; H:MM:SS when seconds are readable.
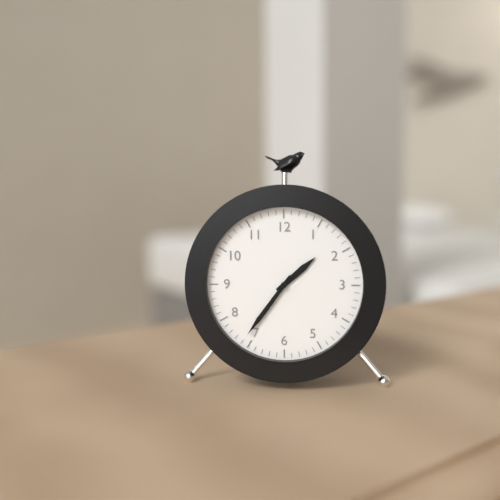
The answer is **1:36**
